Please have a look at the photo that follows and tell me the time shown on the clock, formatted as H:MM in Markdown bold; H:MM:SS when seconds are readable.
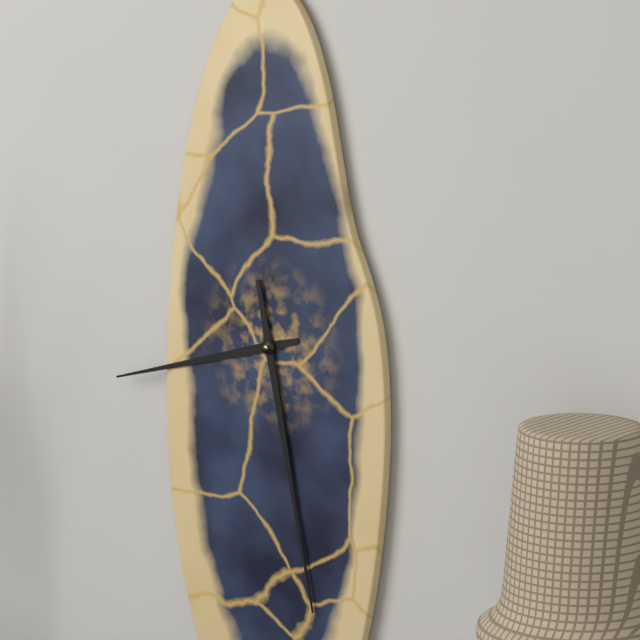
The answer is **8:28**
